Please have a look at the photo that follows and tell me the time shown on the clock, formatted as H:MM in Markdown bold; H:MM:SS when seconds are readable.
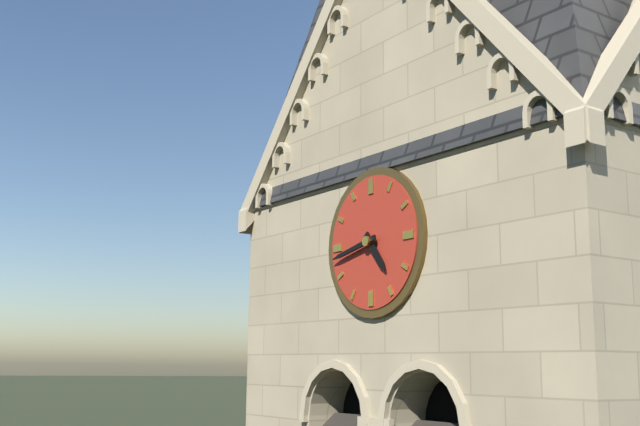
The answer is **4:43**
